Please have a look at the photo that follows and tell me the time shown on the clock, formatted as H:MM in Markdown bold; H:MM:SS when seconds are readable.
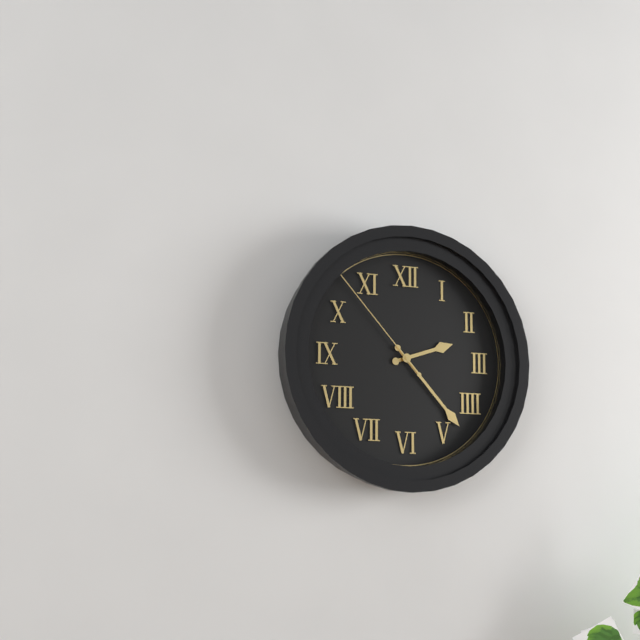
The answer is **2:23:53**
